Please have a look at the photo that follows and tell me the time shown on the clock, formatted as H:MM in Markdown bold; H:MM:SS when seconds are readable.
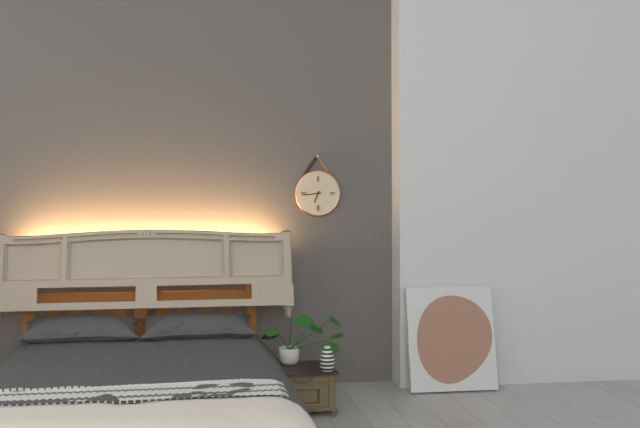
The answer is **6:44**
